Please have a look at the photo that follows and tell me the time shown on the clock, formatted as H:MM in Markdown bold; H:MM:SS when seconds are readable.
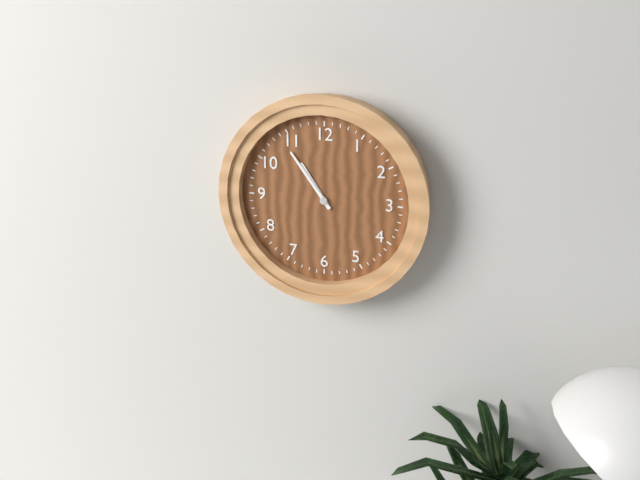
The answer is **10:54**
